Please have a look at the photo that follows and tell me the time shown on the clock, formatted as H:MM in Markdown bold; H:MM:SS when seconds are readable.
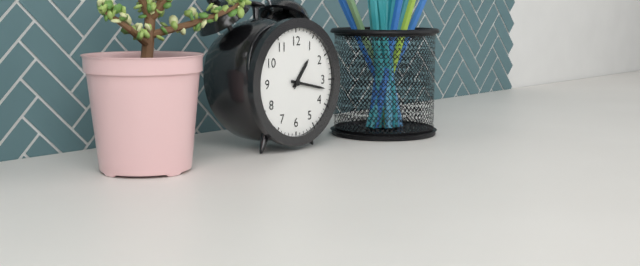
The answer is **1:17**
